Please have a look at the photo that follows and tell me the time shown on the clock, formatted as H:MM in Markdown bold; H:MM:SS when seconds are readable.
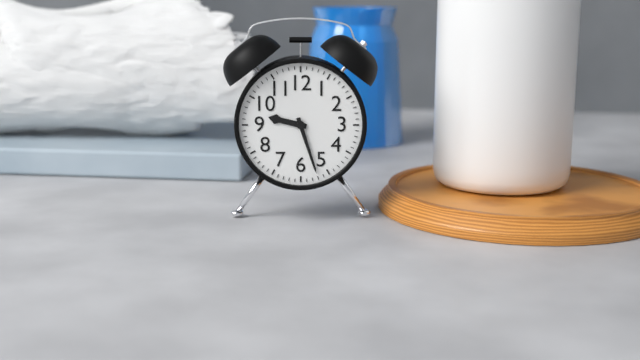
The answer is **9:27**
